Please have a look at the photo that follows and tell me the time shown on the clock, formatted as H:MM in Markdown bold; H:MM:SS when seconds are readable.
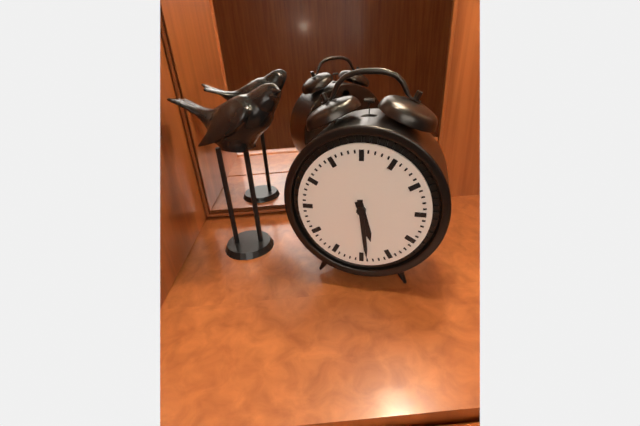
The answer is **5:29**
